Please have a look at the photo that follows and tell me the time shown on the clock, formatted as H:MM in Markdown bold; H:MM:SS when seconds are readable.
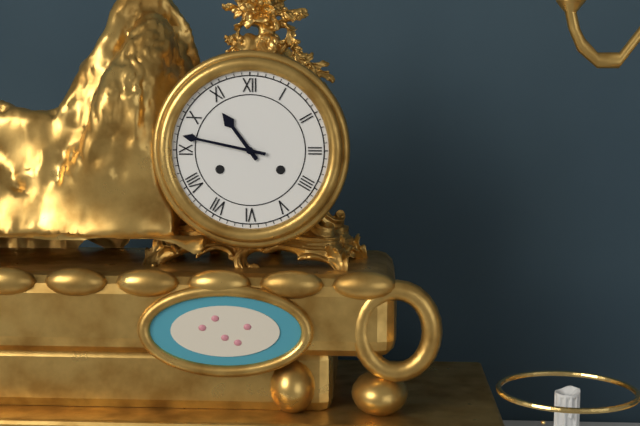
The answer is **10:47**
